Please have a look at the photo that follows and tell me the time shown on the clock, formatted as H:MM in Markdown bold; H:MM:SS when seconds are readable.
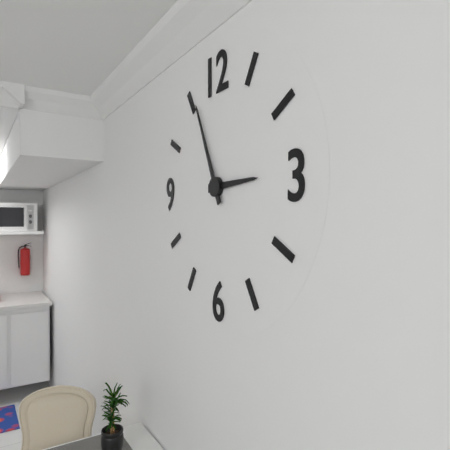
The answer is **2:56**
